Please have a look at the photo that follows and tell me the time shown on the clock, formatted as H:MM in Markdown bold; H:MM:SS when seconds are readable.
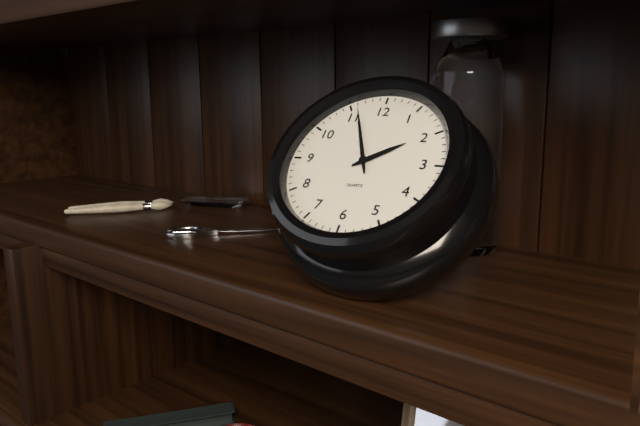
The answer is **1:56**
